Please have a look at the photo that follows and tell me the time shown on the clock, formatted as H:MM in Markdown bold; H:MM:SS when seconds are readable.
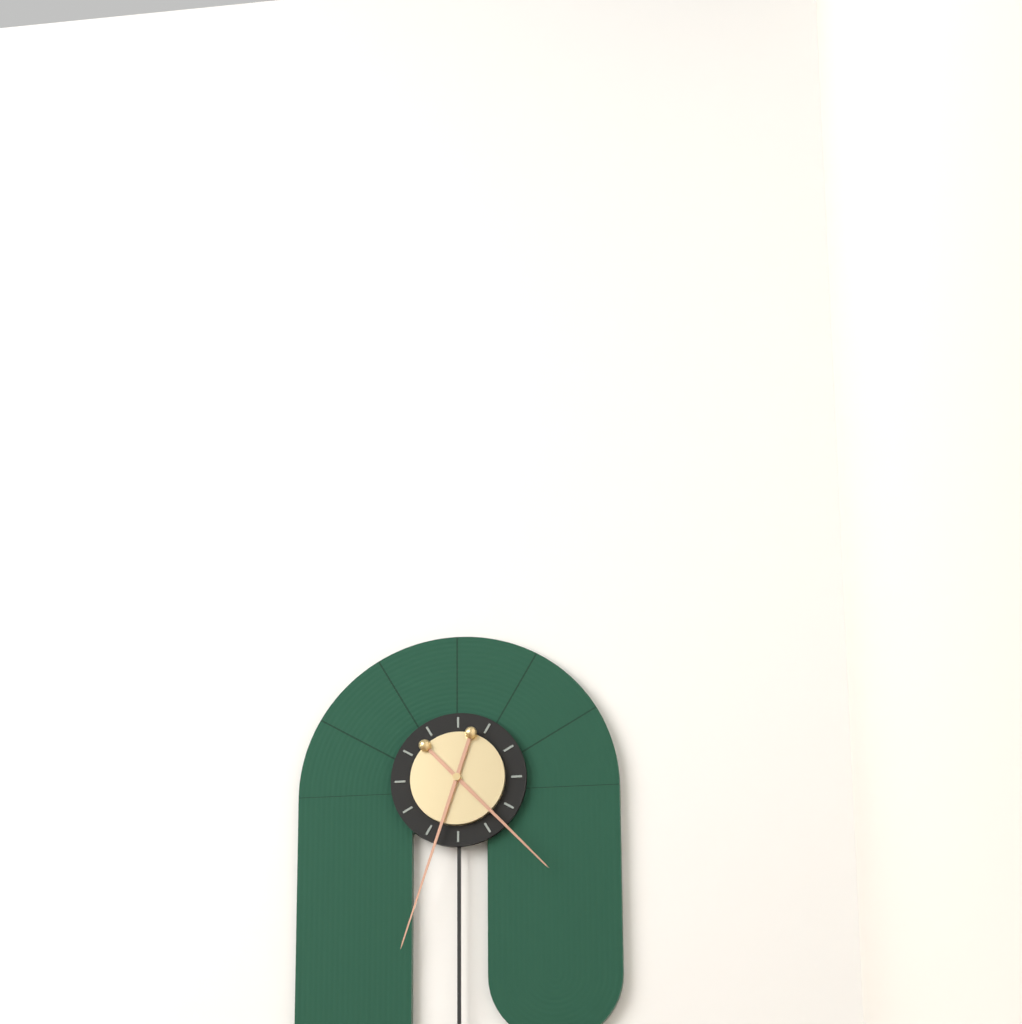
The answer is **4:33**
